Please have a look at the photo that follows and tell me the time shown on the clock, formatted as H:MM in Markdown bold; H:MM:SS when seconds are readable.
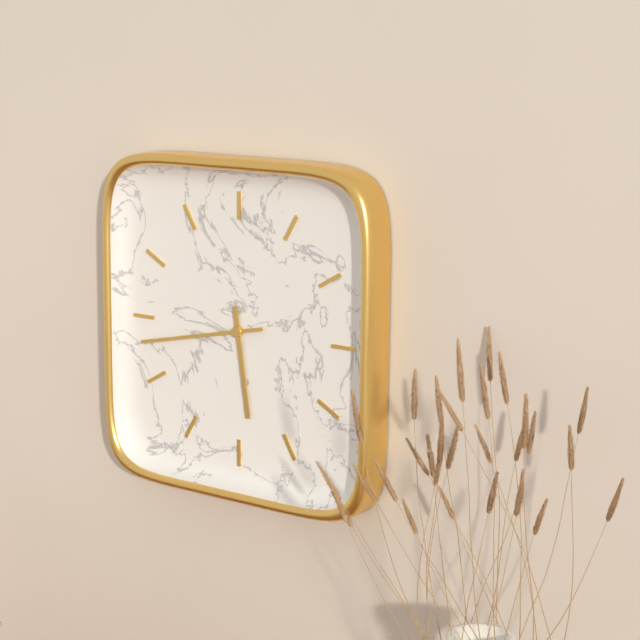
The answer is **5:43**
